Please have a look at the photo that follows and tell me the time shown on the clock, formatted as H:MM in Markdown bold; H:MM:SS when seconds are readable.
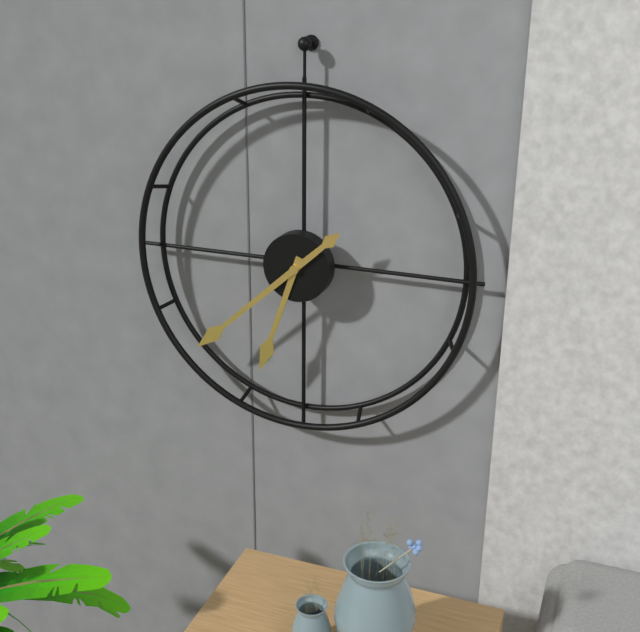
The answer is **6:38**
